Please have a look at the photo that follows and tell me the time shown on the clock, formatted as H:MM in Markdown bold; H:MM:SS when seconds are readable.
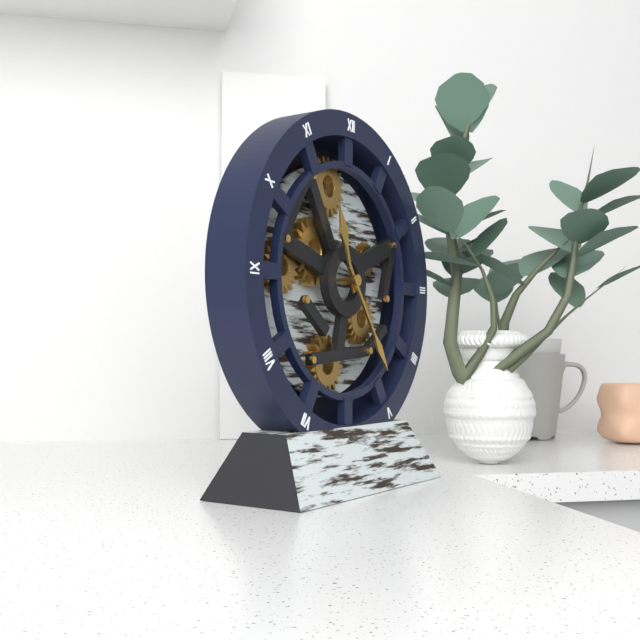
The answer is **11:24**
